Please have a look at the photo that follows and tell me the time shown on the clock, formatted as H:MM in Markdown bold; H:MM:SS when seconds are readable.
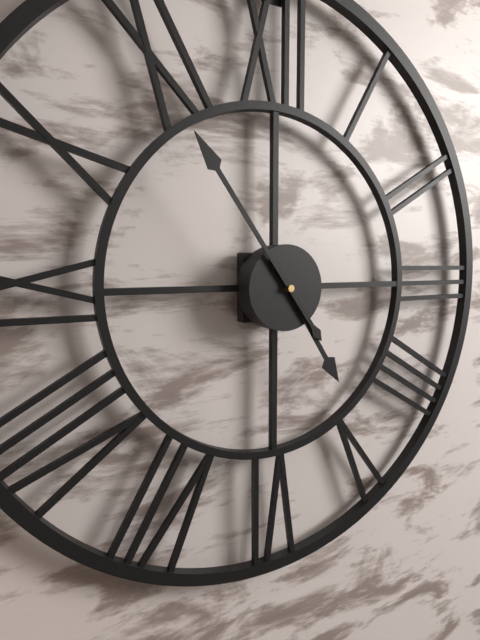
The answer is **4:54**
